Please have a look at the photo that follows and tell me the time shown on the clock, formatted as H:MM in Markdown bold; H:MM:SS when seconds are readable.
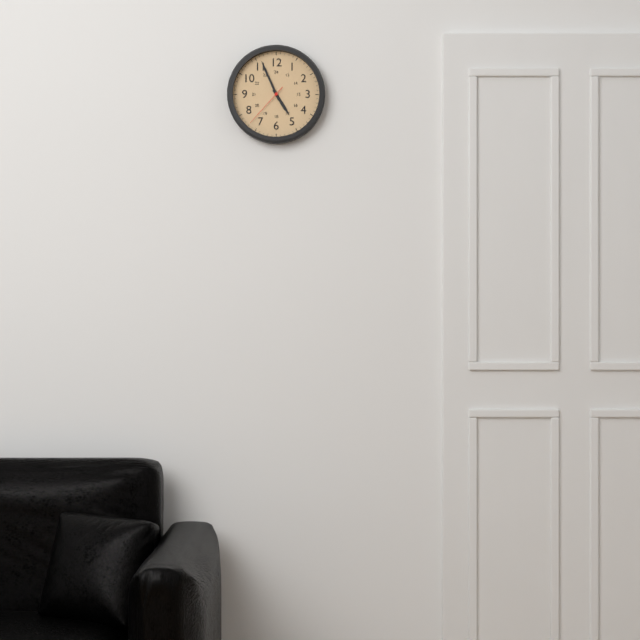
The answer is **4:56**
